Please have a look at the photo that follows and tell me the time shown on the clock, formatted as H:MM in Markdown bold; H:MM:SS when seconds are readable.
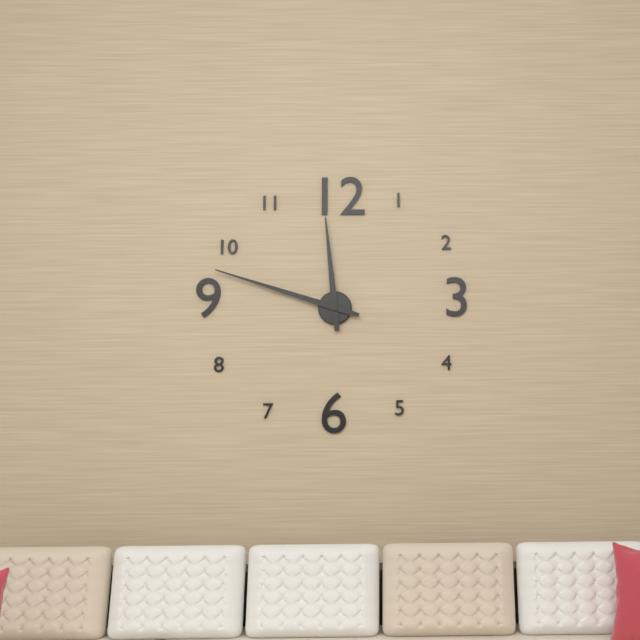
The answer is **11:48**
